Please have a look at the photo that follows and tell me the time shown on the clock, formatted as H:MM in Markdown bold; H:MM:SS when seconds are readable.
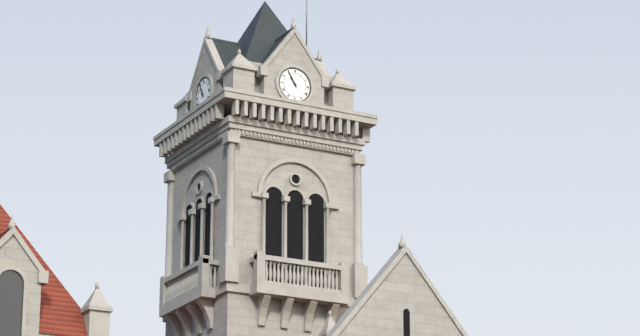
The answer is **10:55**
